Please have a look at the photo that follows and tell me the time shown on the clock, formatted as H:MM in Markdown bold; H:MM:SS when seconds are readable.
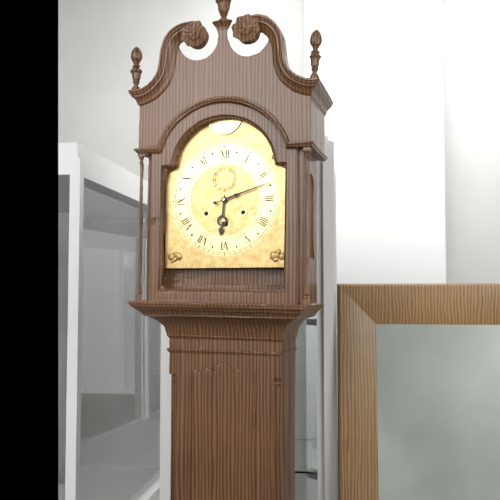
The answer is **6:12**
